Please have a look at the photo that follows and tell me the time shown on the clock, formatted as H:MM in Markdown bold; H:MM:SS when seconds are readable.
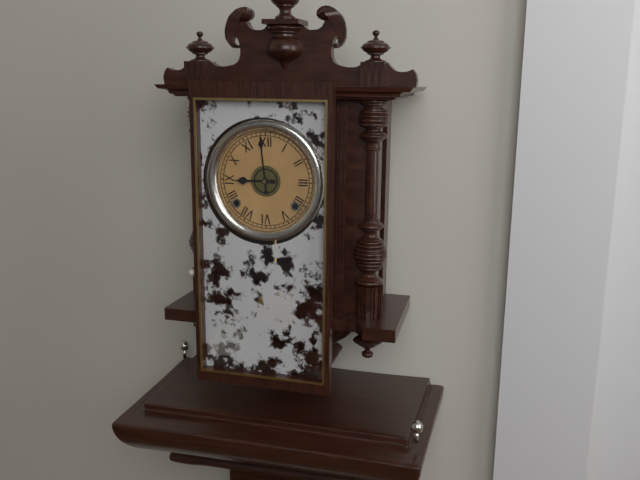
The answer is **8:59**
